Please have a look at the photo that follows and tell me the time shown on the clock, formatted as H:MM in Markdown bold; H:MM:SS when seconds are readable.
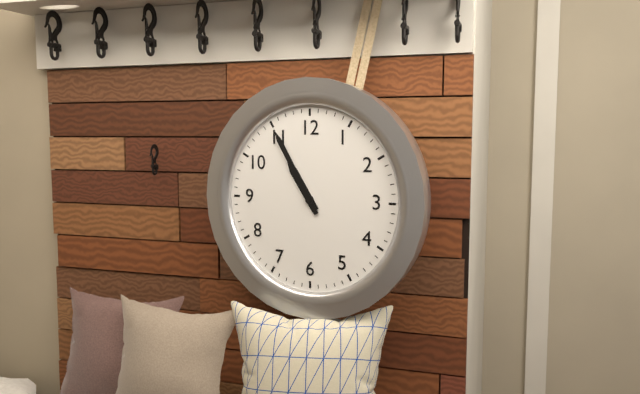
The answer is **10:55**
